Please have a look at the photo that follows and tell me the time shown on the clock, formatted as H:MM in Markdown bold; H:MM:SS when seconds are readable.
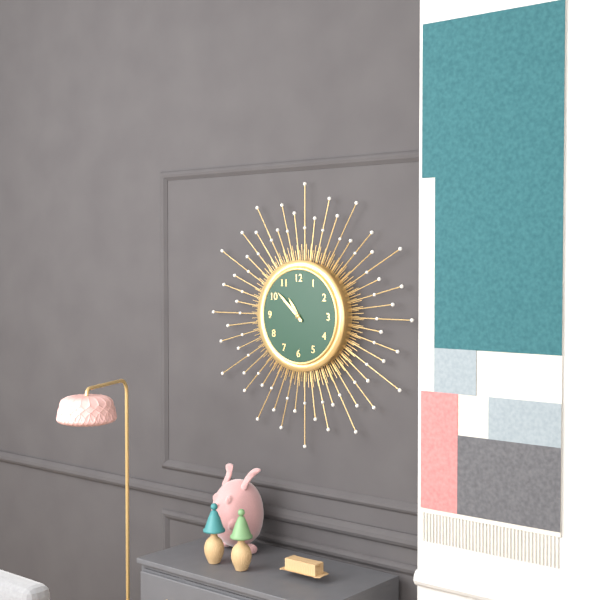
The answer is **10:52**
